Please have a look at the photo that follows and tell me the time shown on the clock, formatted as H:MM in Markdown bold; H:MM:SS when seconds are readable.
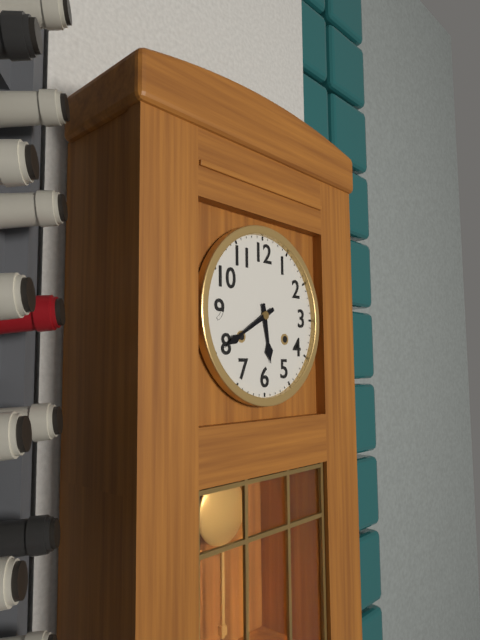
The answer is **5:40**
